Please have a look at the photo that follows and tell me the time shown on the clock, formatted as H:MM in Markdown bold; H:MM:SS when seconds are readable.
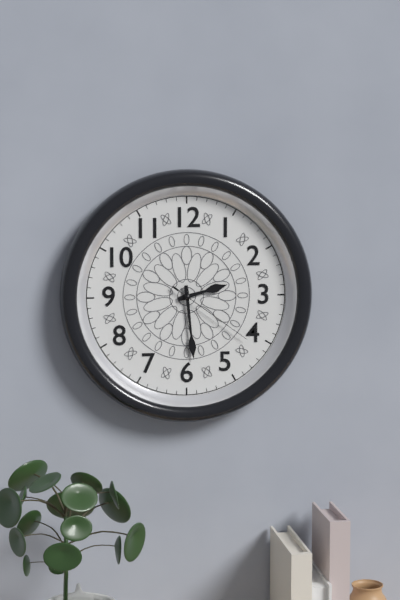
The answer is **2:29:21**
